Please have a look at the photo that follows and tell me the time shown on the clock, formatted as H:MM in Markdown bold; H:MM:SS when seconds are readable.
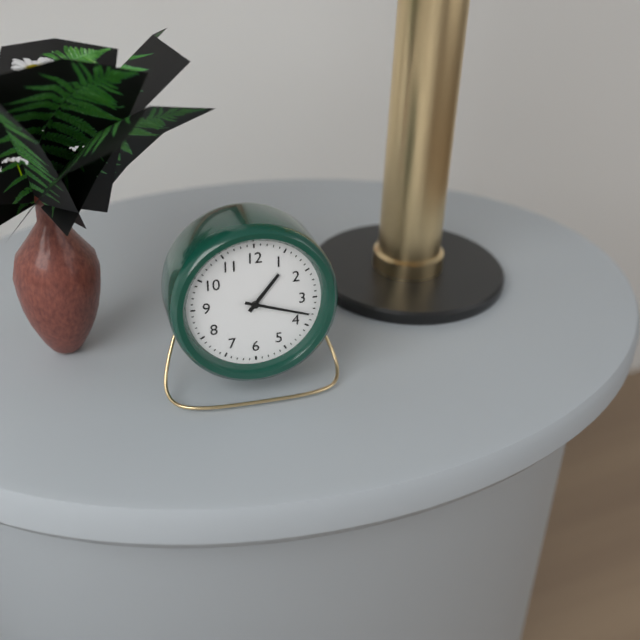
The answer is **1:18**
